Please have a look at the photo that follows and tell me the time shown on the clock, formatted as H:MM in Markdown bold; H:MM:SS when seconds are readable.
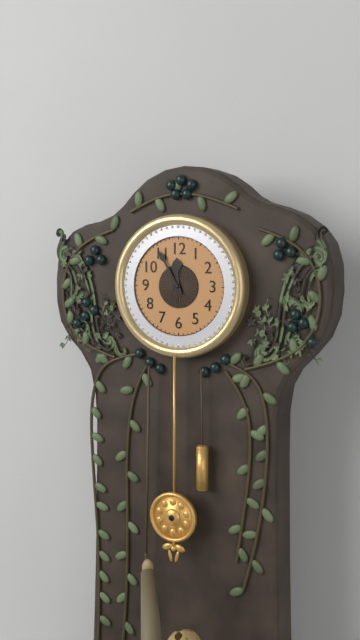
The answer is **11:55**
